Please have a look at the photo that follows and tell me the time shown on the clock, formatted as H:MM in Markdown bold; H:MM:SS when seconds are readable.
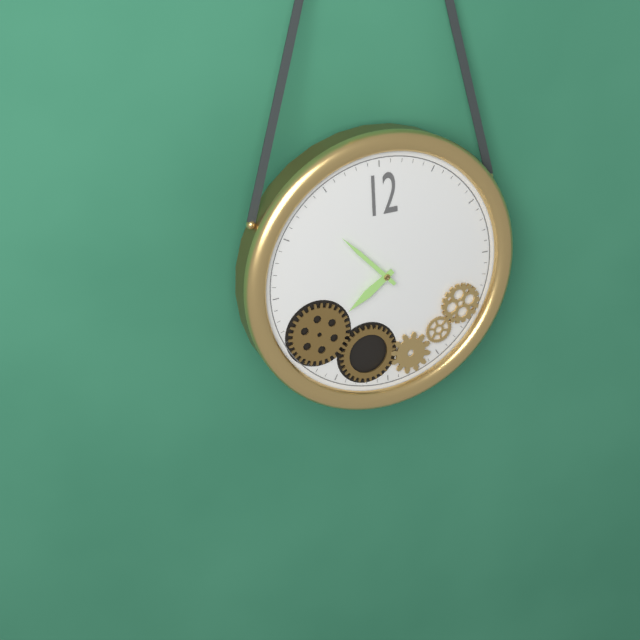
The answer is **7:53**
